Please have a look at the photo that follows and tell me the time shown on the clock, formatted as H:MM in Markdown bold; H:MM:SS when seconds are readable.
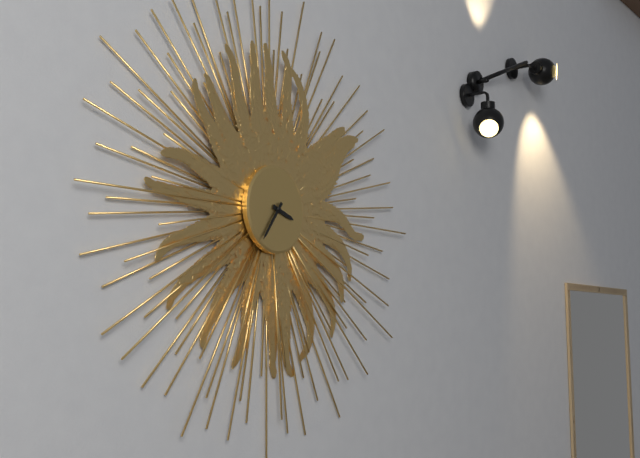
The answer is **3:36**
